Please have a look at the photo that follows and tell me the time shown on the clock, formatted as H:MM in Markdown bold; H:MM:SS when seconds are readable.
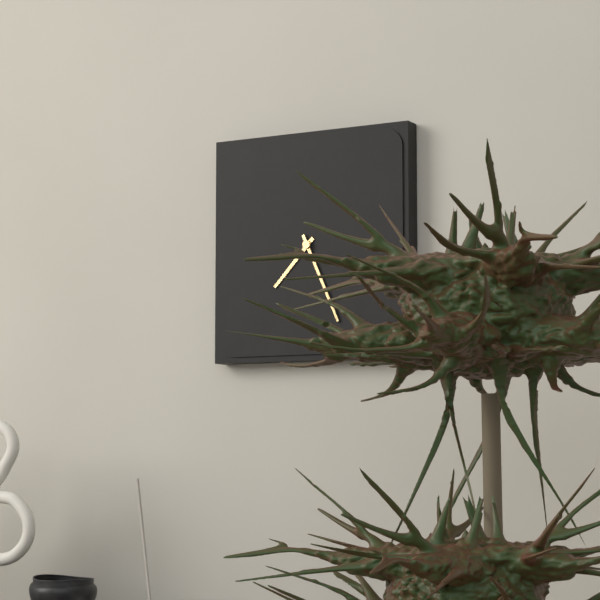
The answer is **7:26**
